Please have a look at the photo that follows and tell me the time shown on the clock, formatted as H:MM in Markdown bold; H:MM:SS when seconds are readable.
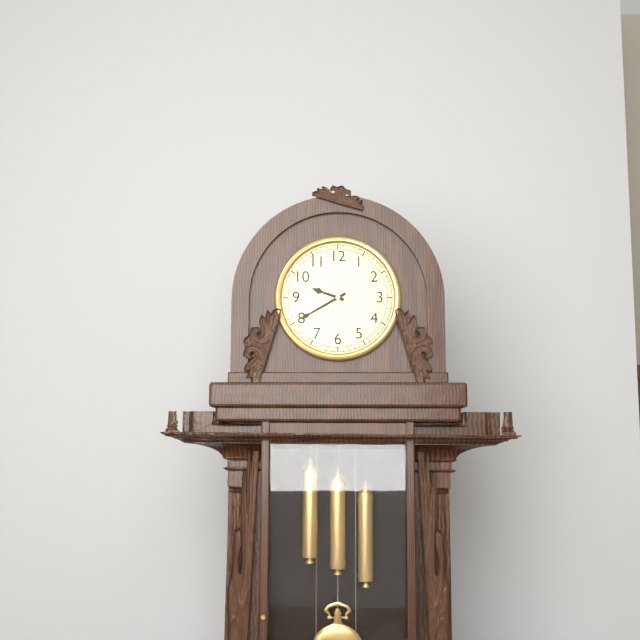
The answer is **9:40**
